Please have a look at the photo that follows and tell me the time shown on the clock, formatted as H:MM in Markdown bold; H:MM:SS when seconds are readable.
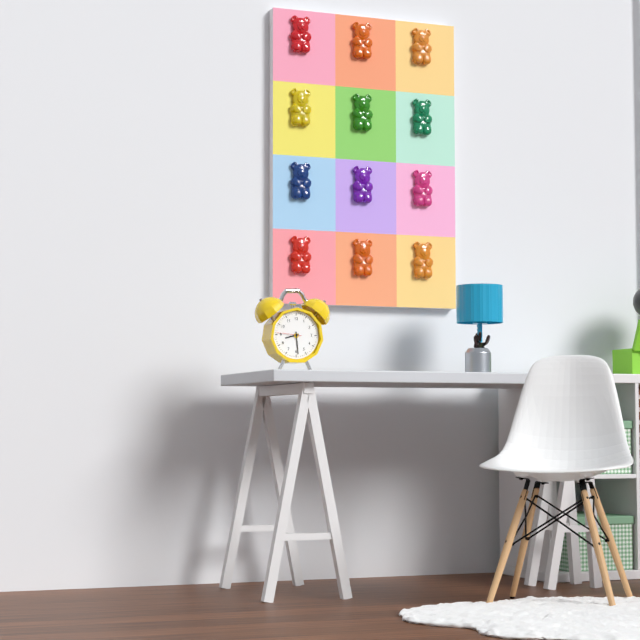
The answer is **8:29**
